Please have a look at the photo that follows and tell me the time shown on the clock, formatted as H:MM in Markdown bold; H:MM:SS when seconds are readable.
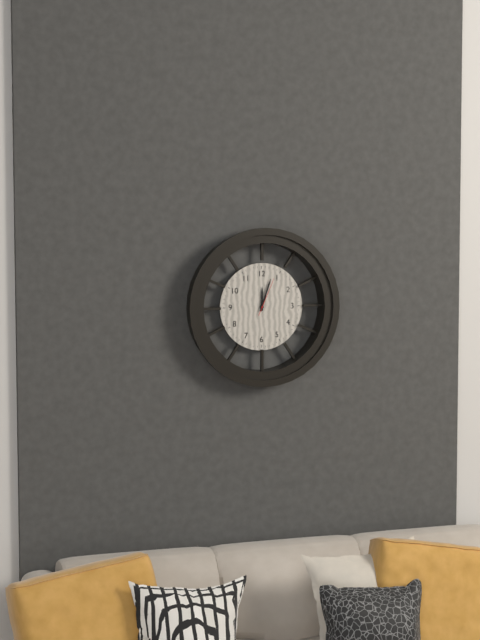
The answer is **12:03**
